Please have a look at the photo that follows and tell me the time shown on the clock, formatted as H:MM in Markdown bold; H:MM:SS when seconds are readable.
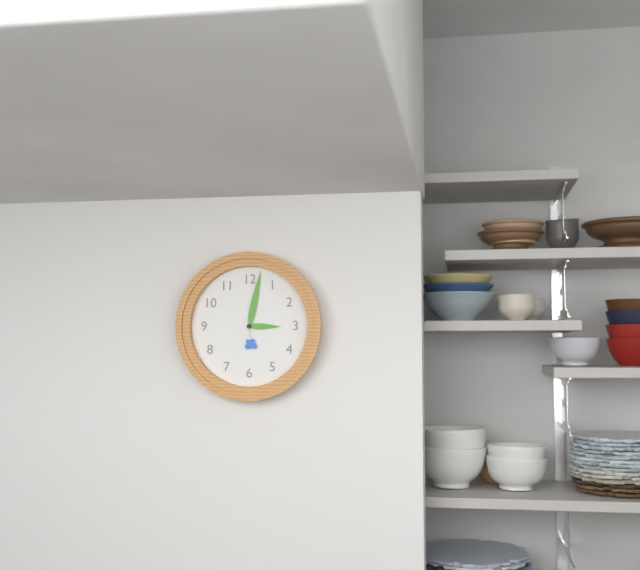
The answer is **3:02**
